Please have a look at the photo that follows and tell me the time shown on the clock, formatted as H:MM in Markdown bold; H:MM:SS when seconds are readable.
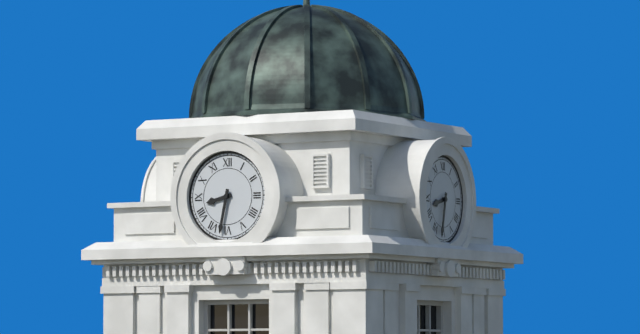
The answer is **8:32**
